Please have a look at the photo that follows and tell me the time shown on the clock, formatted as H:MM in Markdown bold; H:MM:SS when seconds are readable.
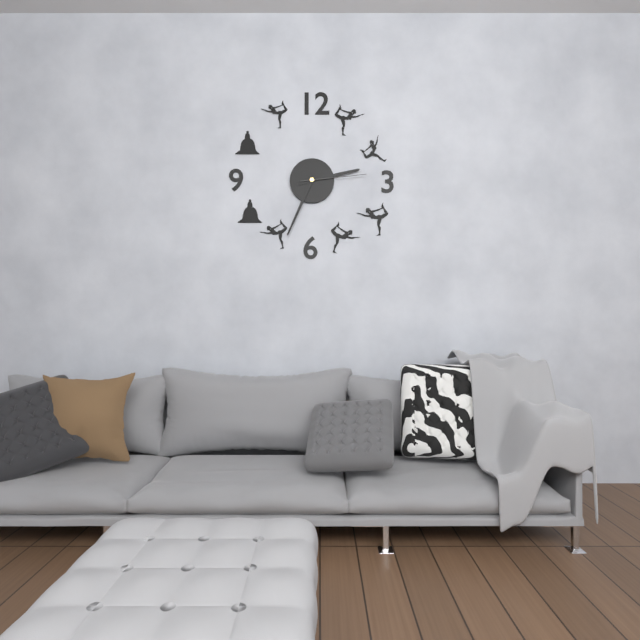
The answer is **2:34:14**
